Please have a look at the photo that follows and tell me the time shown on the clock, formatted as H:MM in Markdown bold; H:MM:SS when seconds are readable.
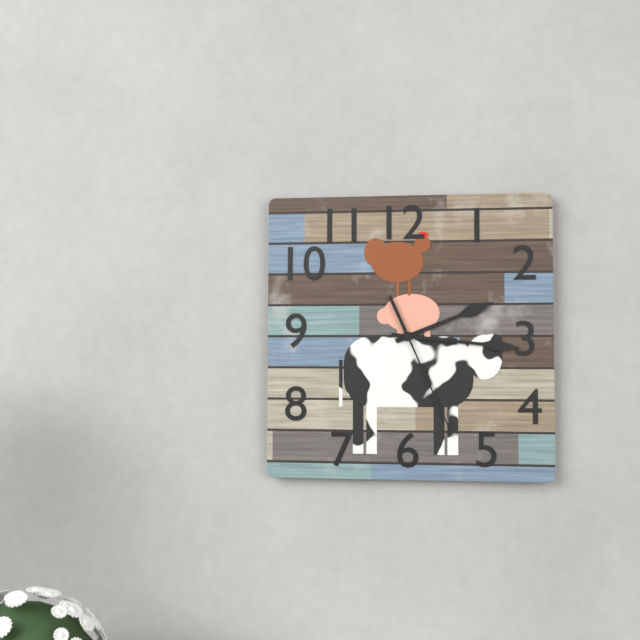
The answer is **2:16:26**
